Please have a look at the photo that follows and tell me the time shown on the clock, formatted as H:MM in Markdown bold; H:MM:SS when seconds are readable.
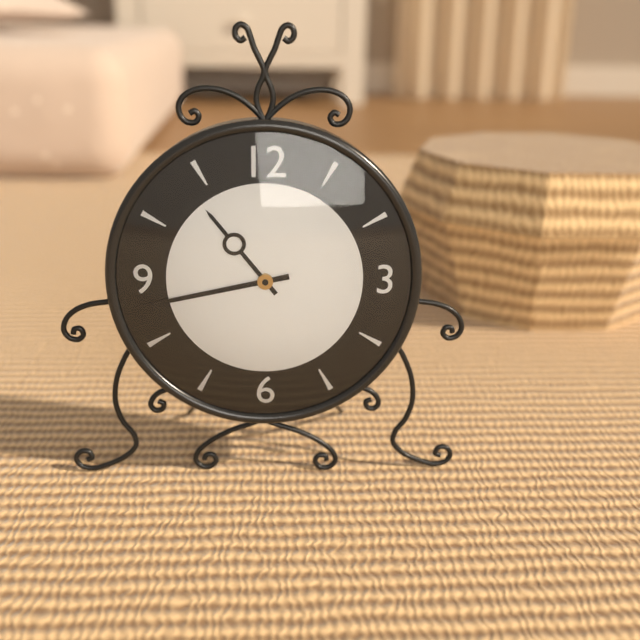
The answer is **10:43**
